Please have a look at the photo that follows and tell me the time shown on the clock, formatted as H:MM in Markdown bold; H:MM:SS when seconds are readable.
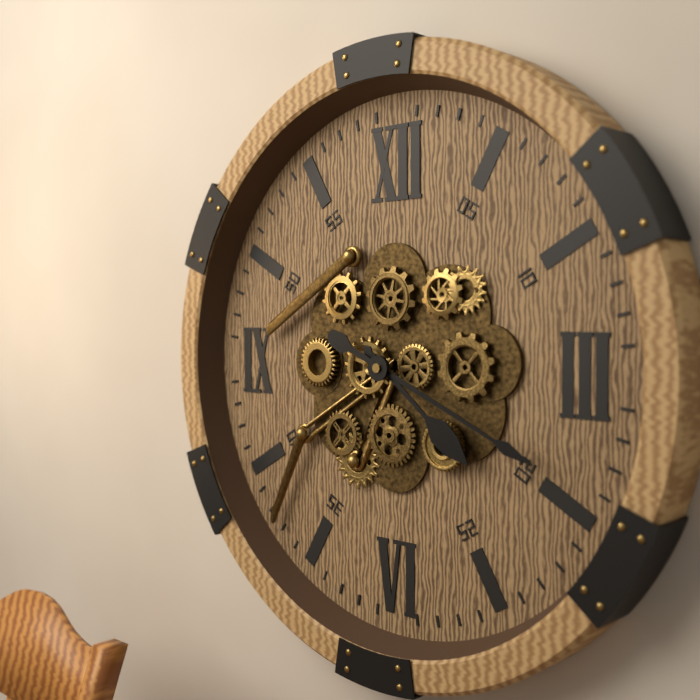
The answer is **4:19**
